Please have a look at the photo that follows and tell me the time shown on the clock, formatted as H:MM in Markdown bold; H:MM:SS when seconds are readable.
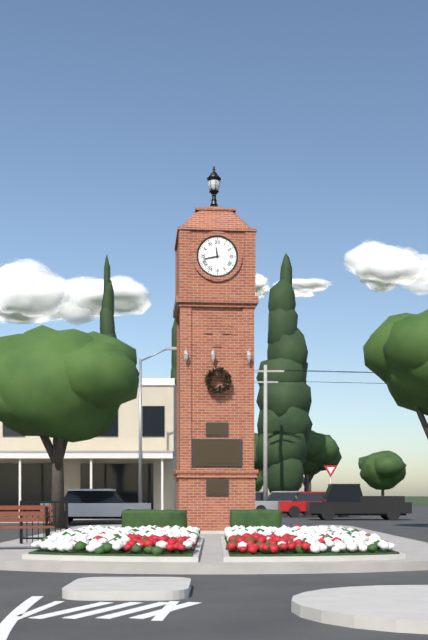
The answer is **11:43**
